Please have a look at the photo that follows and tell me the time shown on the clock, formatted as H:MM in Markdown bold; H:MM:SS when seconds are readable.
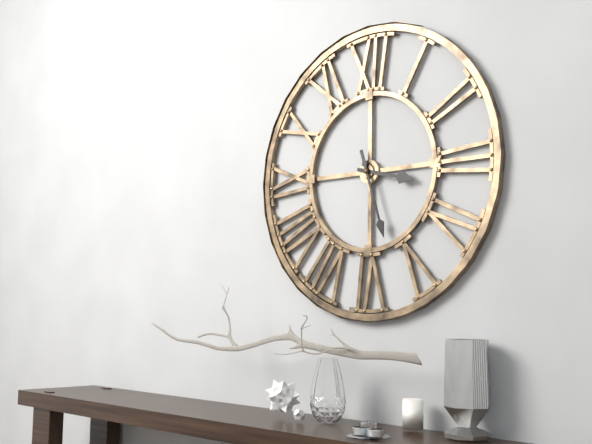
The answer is **3:27**
